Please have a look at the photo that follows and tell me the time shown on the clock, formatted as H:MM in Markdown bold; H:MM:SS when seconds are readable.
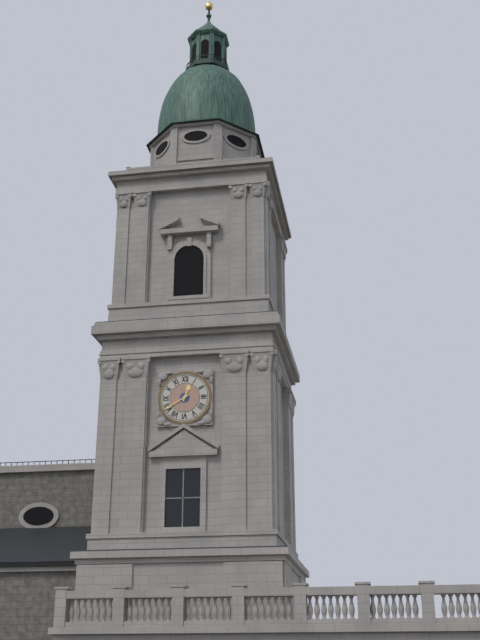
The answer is **12:40**
